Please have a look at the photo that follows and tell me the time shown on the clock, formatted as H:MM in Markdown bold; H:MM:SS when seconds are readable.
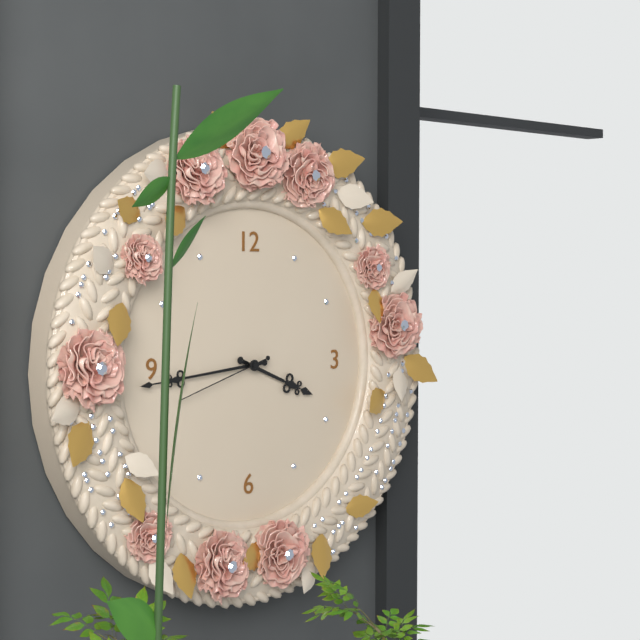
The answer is **3:44:42**
